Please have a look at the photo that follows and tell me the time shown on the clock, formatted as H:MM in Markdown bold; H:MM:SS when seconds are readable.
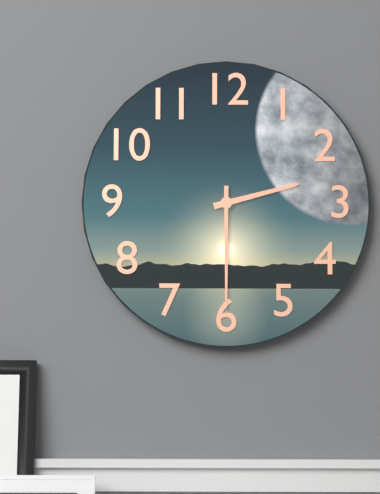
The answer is **2:30**
